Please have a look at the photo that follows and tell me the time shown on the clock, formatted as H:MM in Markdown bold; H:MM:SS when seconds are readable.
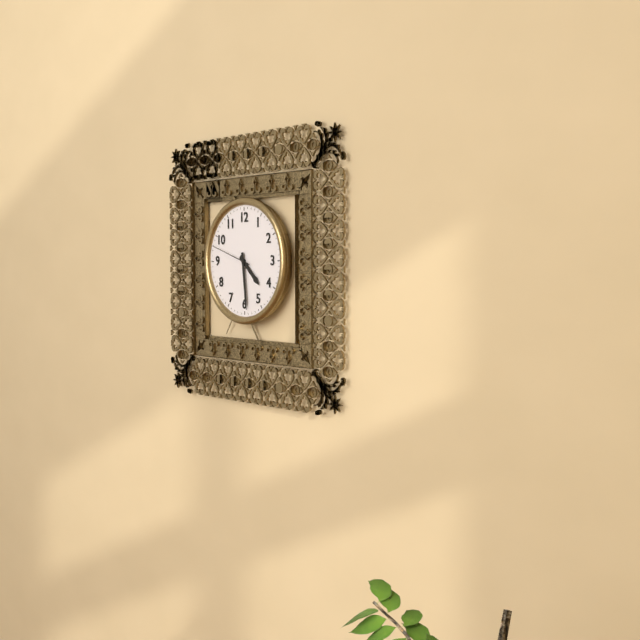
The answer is **4:29**
